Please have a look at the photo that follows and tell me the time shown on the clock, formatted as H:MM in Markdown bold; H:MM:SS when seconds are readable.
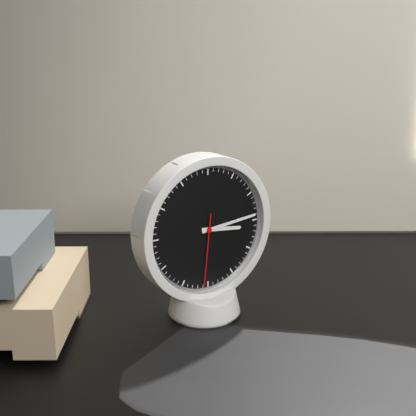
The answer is **3:14:31**
